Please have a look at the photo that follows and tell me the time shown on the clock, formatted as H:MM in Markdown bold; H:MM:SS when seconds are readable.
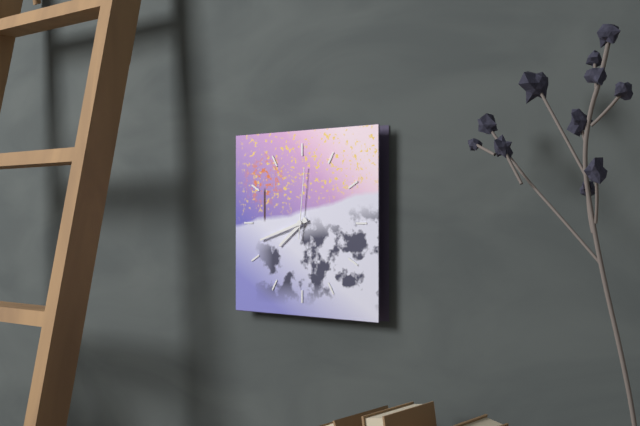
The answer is **7:42:01**
